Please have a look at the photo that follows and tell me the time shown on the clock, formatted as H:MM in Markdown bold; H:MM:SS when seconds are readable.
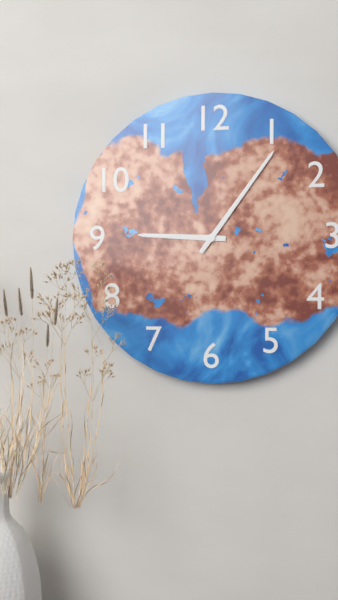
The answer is **9:06**
